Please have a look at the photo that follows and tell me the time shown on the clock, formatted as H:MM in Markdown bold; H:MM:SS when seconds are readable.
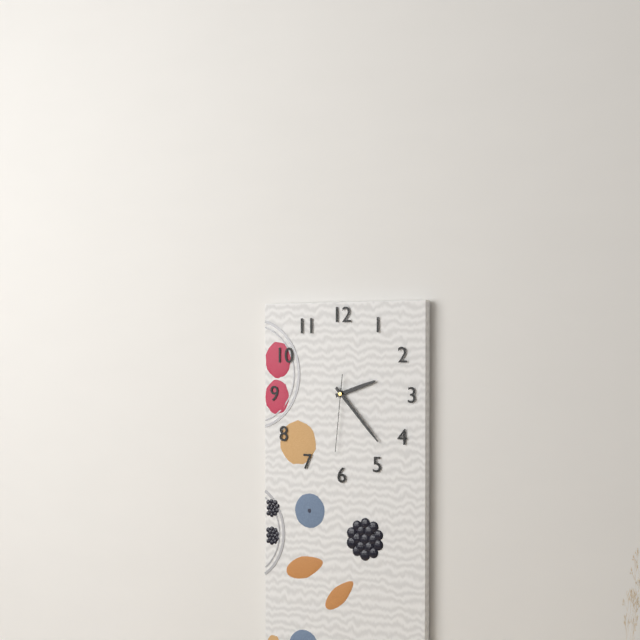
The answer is **2:23:31**
